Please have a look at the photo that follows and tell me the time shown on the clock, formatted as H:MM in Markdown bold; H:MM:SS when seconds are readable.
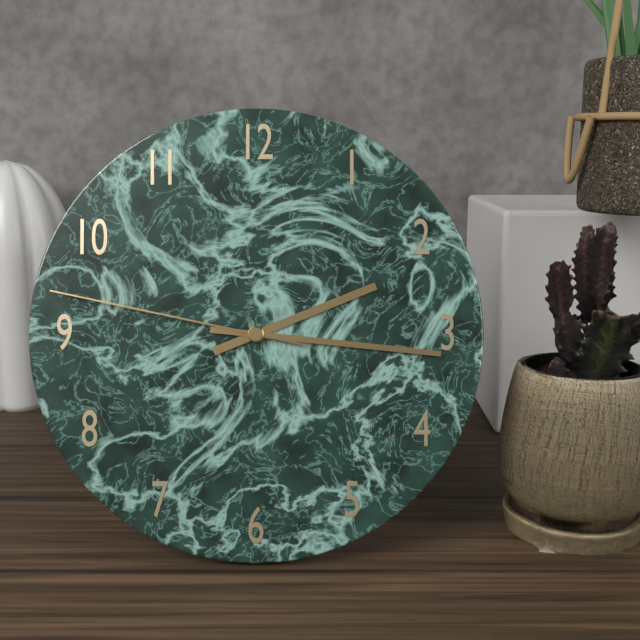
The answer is **2:16:47**
